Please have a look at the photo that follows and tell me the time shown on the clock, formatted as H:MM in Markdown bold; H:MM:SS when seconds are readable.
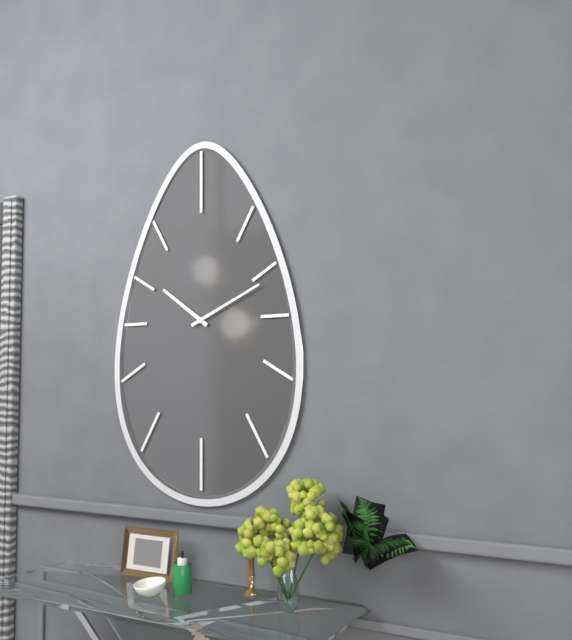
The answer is **10:11**
